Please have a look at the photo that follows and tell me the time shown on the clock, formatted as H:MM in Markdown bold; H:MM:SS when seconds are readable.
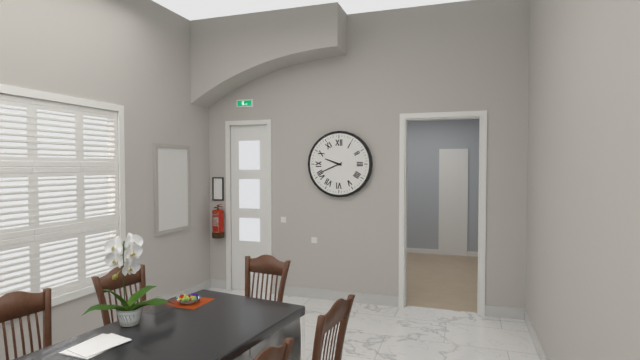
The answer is **9:41**
